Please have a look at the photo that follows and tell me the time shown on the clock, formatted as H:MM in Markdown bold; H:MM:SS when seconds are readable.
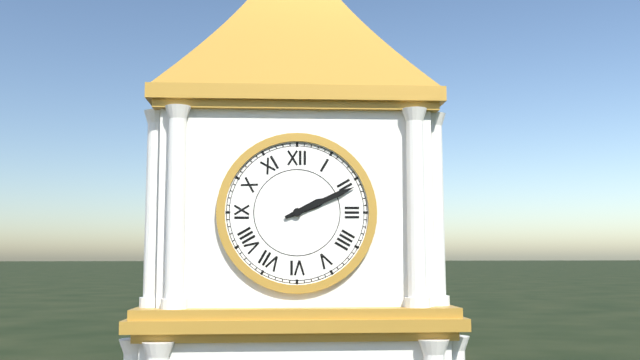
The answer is **2:11**
